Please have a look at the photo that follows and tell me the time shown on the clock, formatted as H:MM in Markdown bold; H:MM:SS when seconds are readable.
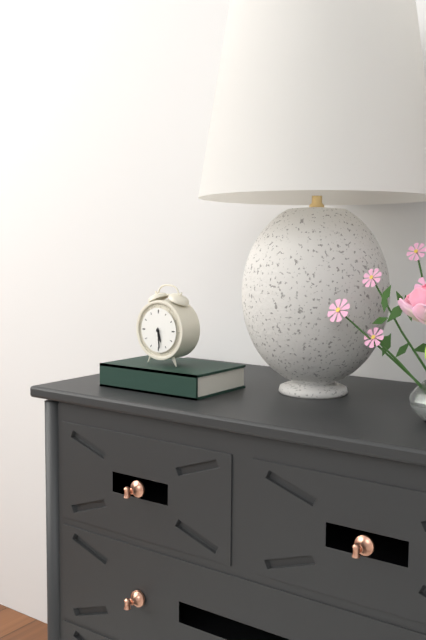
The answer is **5:29**
